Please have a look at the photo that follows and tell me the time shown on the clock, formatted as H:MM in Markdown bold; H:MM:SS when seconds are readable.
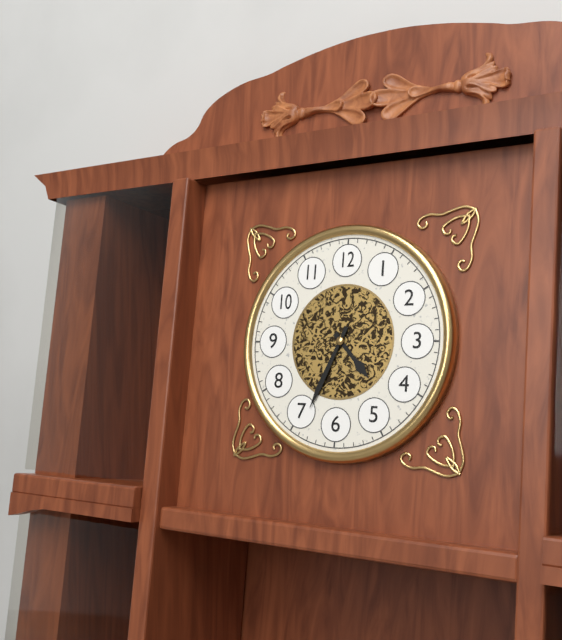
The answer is **4:34**
